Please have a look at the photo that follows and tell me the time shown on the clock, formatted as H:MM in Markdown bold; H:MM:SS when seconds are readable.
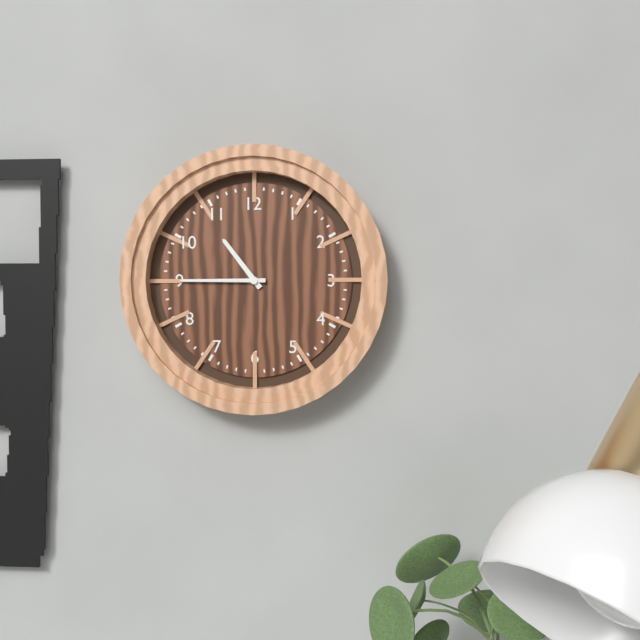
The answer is **10:45**
